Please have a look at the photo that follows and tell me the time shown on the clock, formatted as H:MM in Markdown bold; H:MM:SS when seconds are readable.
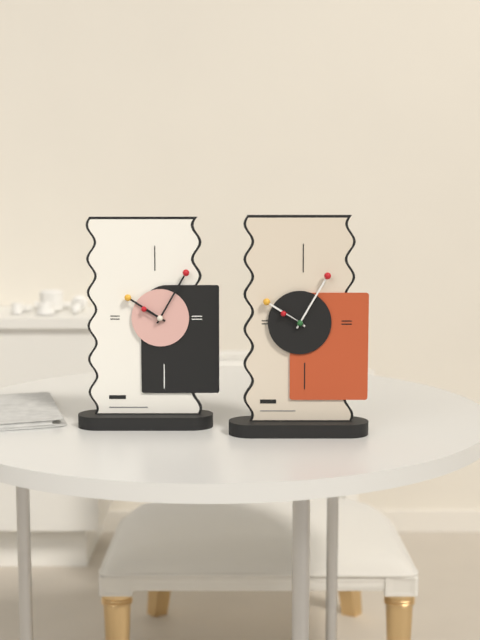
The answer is **10:05**
